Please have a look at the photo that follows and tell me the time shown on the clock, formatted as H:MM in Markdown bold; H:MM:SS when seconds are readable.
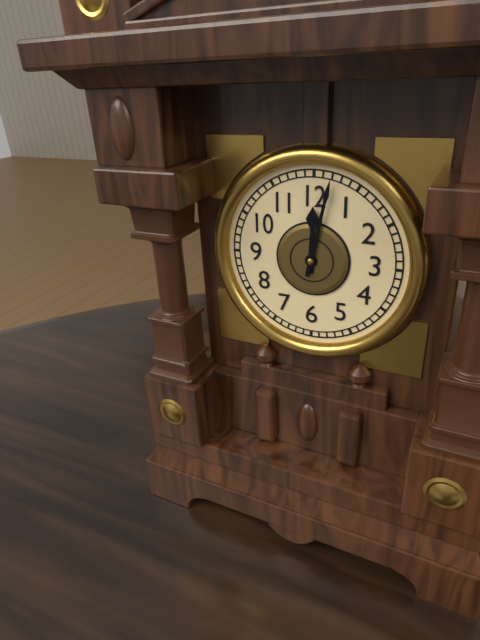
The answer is **12:02**
